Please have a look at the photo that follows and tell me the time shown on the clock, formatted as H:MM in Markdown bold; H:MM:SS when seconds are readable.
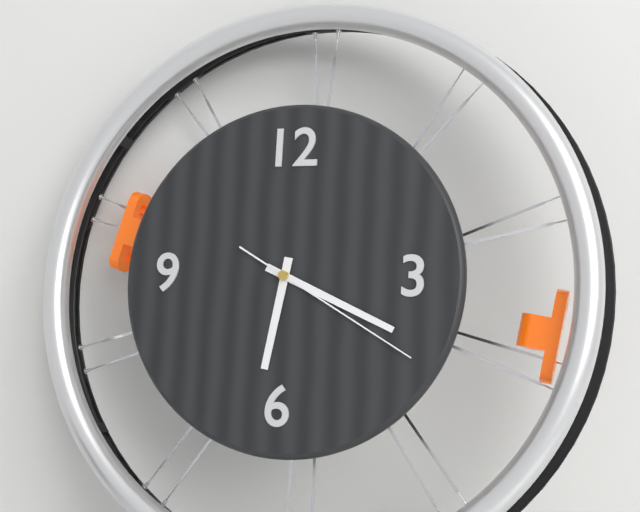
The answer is **6:19:20**
